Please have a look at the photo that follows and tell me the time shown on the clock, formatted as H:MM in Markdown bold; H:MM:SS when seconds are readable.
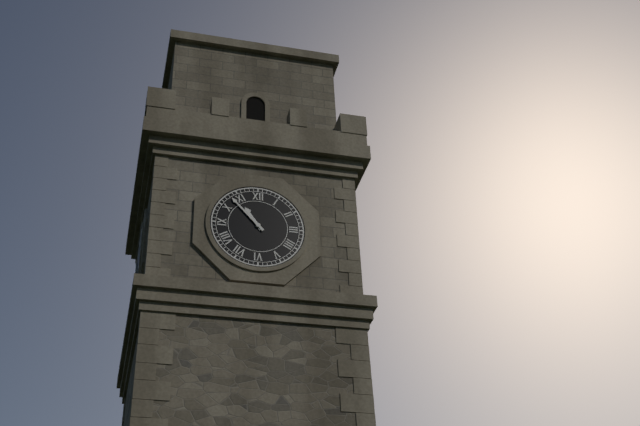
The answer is **10:53**
